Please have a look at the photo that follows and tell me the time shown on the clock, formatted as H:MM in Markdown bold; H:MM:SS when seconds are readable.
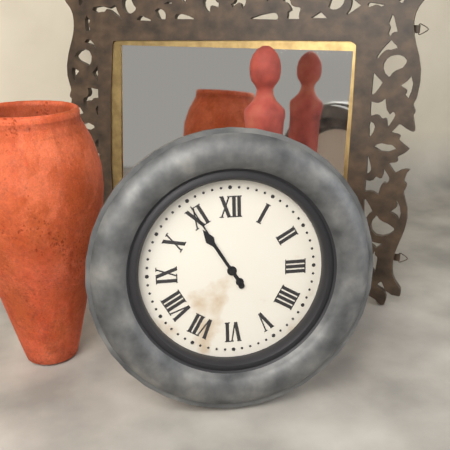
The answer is **10:55**
